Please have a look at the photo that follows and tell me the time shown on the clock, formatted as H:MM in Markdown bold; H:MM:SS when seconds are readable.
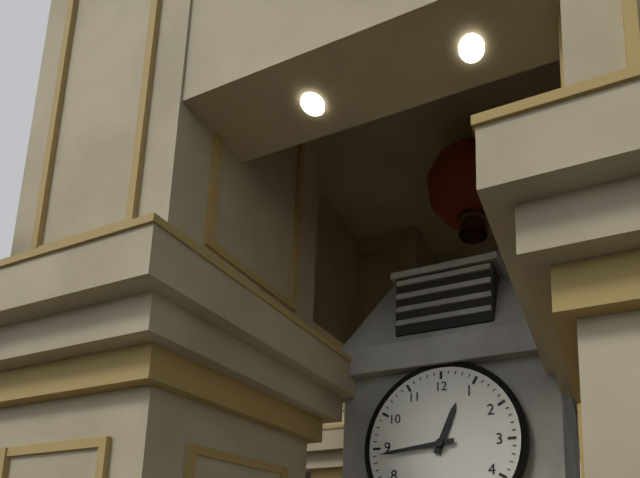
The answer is **12:44**
